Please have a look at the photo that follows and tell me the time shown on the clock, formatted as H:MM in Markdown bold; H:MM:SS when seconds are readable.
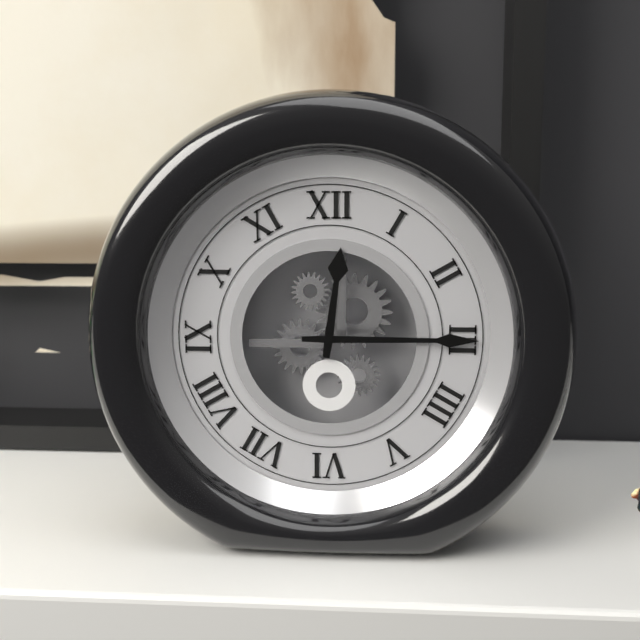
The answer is **12:15**
